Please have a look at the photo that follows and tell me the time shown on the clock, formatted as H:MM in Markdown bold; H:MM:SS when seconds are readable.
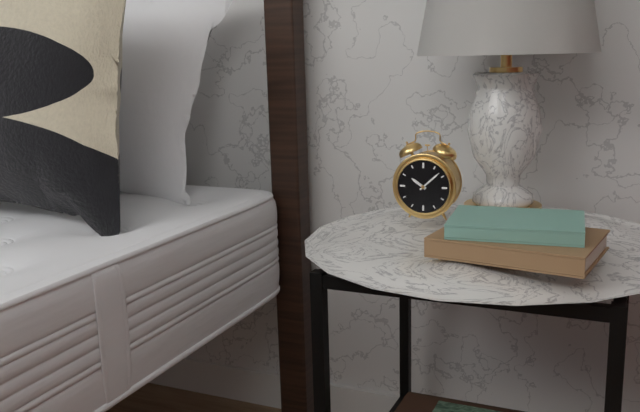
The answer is **10:08**
